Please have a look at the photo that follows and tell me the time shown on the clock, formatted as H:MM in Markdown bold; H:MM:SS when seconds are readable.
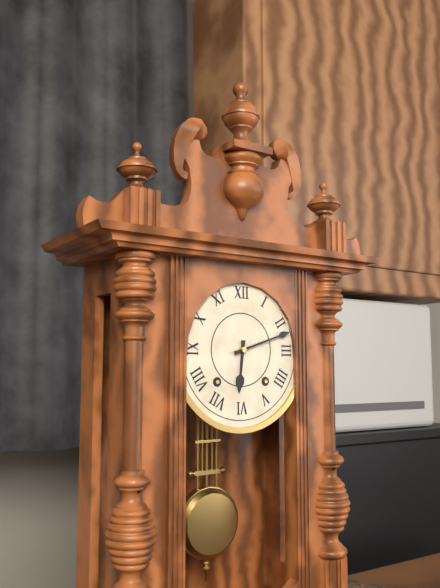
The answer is **6:12**
